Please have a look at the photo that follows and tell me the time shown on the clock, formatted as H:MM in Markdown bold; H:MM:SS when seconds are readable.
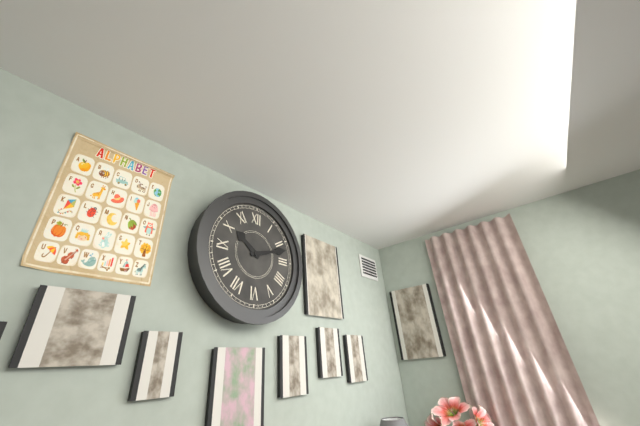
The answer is **10:12**
